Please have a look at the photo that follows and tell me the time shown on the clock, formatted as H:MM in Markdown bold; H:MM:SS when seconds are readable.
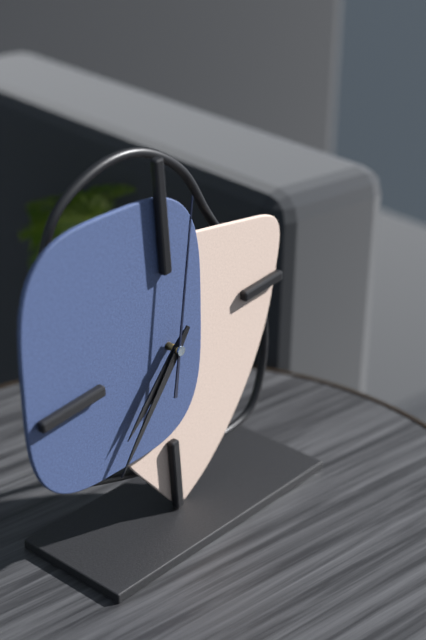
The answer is **7:37:02**
